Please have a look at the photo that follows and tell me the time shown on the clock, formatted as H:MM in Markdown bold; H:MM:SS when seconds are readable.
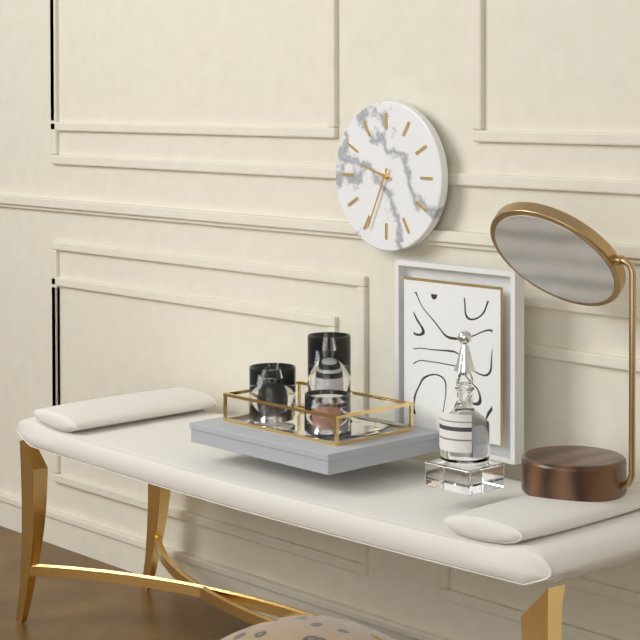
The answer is **9:34**
